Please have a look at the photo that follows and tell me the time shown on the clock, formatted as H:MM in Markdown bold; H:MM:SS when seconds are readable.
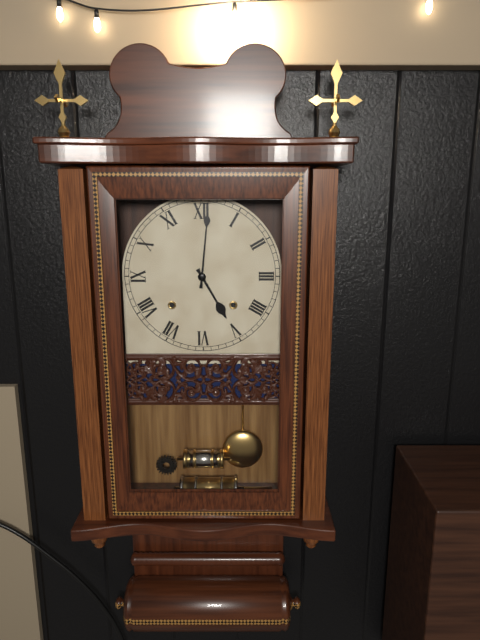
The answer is **5:01**
